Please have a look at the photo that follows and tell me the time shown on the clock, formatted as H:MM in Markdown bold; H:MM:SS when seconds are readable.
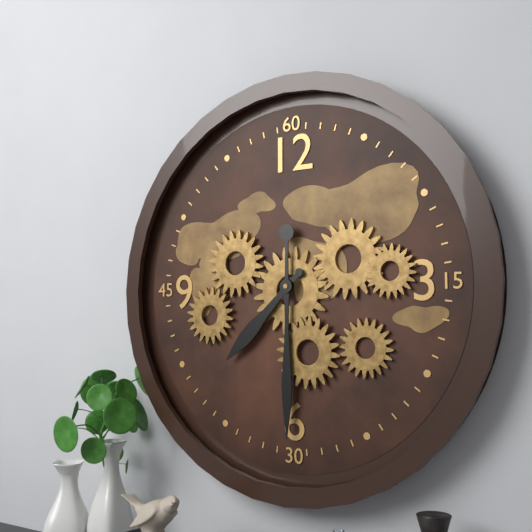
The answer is **7:30**
